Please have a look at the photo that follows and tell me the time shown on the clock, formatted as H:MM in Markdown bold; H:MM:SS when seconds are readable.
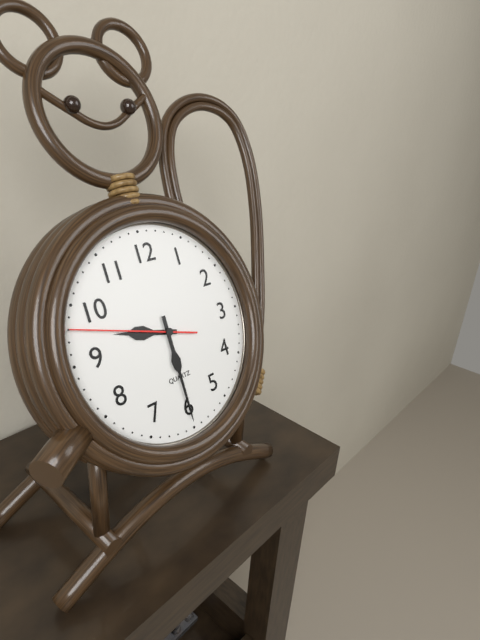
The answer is **9:30:48**
